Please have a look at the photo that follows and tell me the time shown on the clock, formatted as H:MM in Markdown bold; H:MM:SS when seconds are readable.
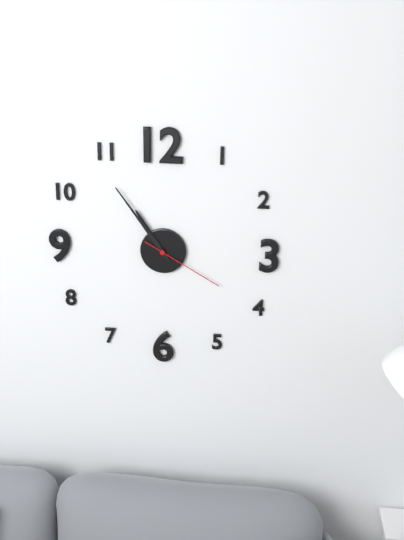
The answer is **10:54:20**
